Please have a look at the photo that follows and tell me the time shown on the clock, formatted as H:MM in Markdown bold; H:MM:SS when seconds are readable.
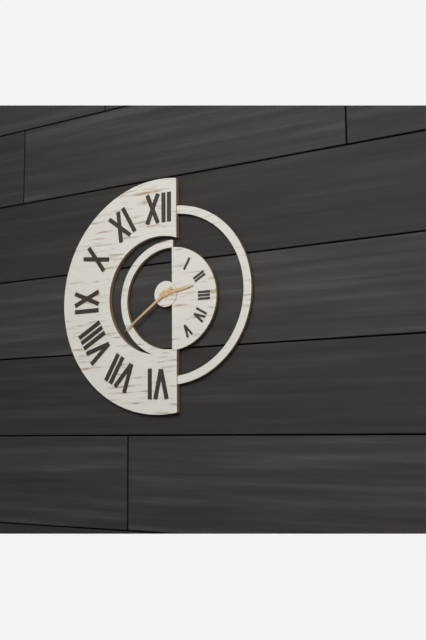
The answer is **2:39**
